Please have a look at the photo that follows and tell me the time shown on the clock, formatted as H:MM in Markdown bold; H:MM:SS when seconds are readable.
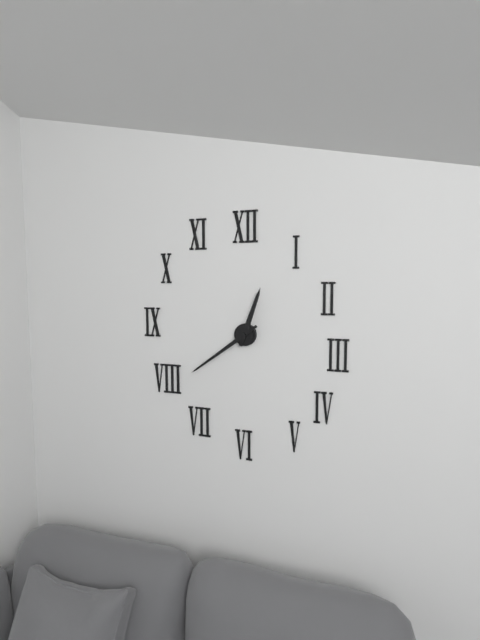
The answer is **12:39**
